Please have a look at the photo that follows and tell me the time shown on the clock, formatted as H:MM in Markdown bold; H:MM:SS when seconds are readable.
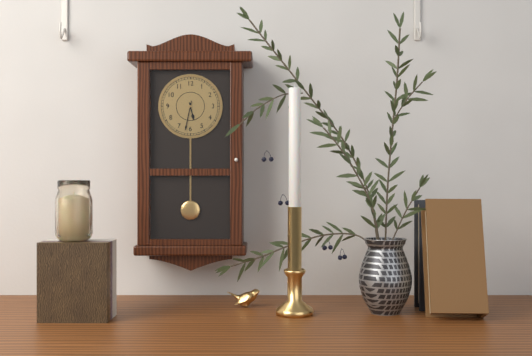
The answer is **5:32**
